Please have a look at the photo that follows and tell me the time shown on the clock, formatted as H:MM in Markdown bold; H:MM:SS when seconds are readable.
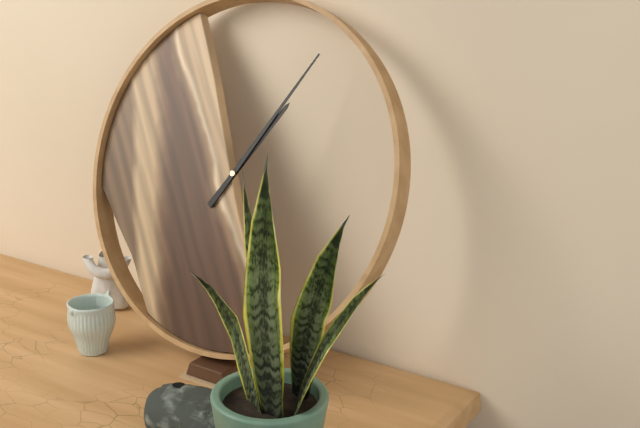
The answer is **1:05**
